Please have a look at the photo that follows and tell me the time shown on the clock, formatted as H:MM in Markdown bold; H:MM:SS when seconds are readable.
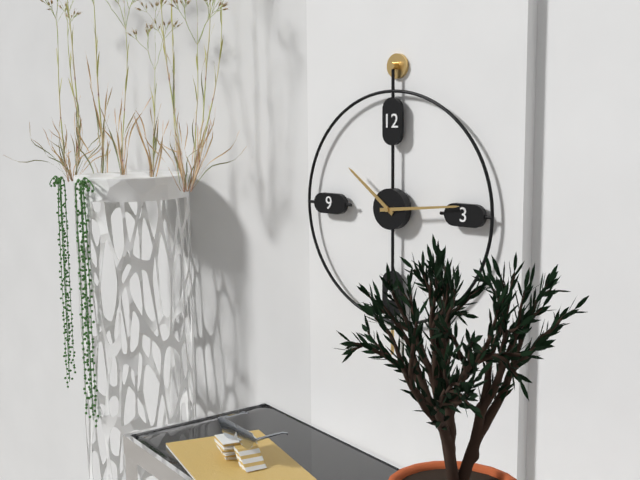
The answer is **10:14**
